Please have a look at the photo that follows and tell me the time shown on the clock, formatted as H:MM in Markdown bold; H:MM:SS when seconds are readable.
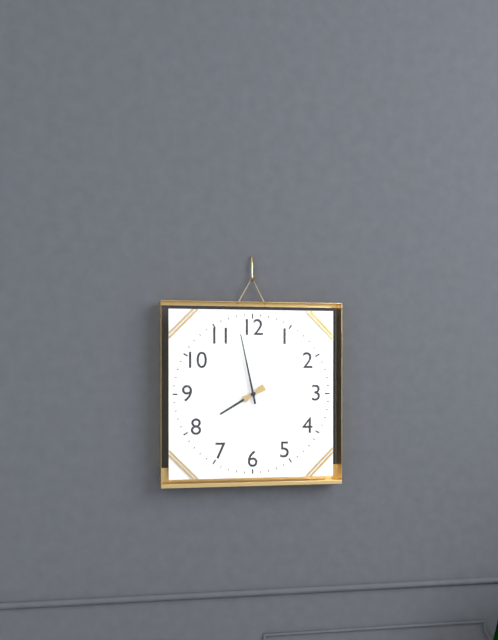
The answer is **7:58**
